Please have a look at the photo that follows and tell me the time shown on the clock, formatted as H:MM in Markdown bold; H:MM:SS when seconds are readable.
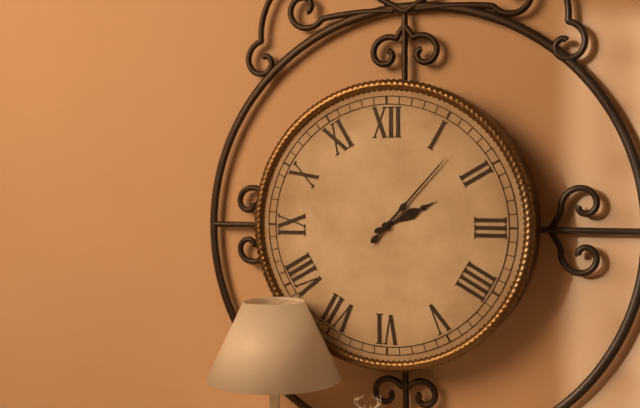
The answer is **2:07**
